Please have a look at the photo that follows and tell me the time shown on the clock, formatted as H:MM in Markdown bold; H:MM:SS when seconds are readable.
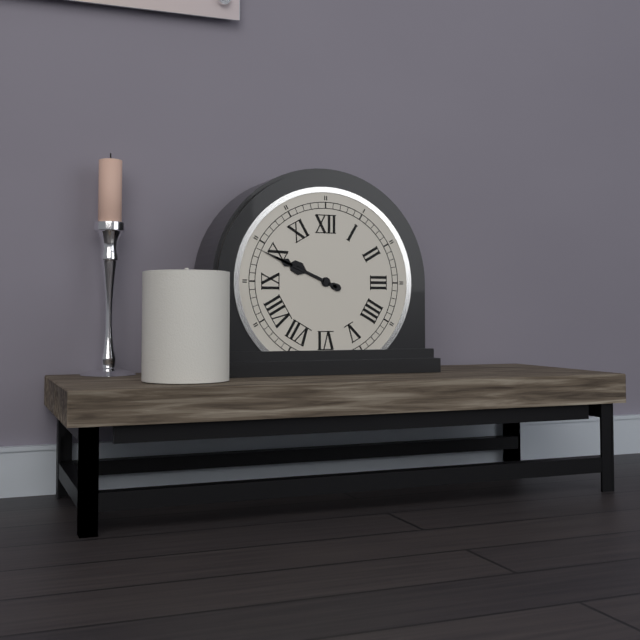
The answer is **9:49**
